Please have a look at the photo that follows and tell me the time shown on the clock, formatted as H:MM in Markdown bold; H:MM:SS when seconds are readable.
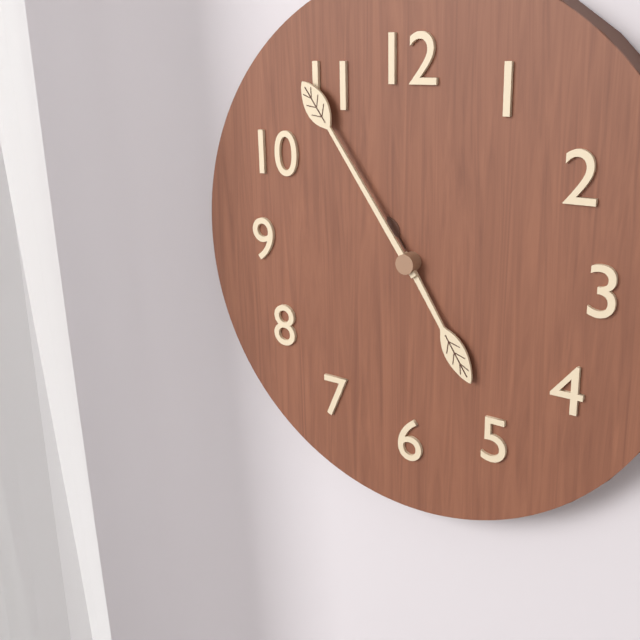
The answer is **4:54**
